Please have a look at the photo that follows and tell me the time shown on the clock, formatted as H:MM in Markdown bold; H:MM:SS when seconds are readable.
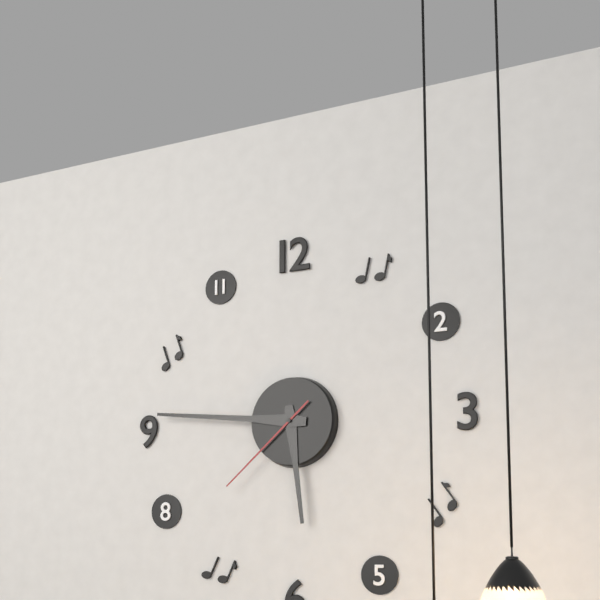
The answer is **5:46:38**
